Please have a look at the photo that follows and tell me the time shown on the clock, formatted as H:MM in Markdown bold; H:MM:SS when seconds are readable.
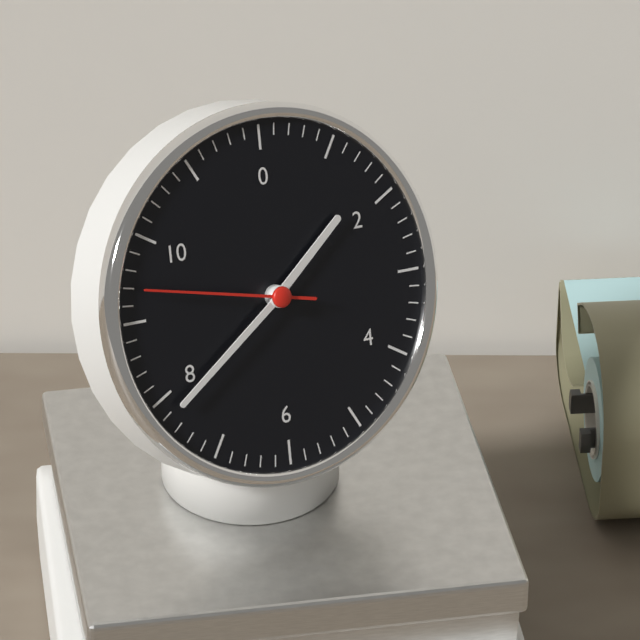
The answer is **1:39:47**
